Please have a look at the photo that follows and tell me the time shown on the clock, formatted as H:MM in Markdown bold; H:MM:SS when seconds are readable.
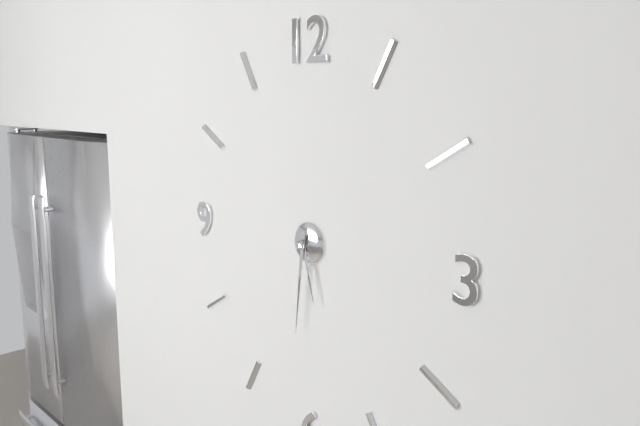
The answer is **5:31**
